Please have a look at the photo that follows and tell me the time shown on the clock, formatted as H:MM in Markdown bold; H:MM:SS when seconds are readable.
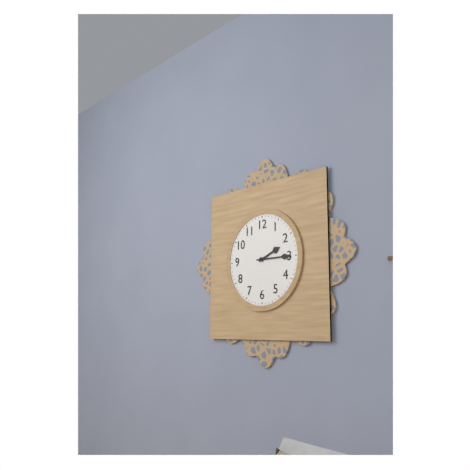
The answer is **2:15**
